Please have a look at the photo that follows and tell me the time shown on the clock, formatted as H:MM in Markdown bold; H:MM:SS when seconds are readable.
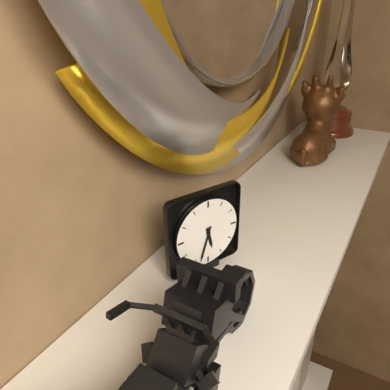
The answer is **5:33**
